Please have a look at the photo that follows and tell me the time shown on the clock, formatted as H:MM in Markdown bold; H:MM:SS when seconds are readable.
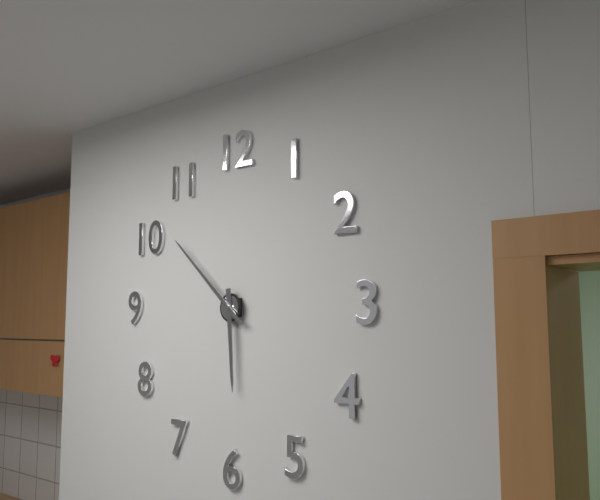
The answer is **5:52**
